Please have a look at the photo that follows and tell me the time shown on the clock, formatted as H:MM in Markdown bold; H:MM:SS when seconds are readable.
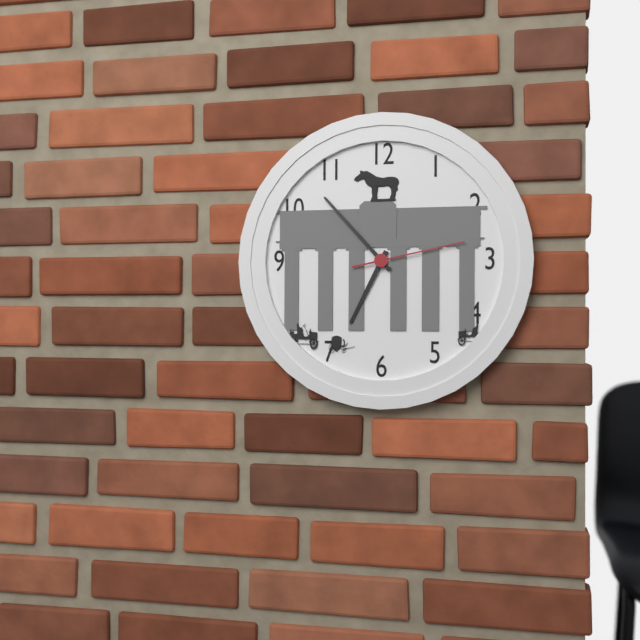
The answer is **6:53:13**
